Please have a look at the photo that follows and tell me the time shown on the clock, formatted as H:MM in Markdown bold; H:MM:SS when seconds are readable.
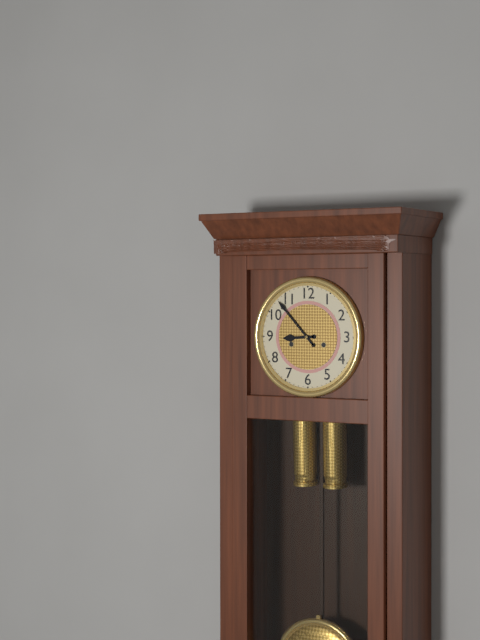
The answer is **8:53**
